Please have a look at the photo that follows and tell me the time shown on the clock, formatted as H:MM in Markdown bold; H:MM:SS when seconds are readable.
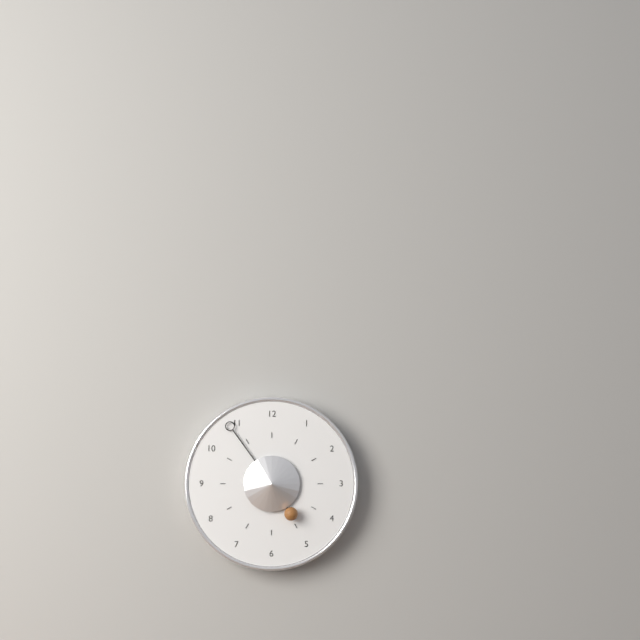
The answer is **4:54**
